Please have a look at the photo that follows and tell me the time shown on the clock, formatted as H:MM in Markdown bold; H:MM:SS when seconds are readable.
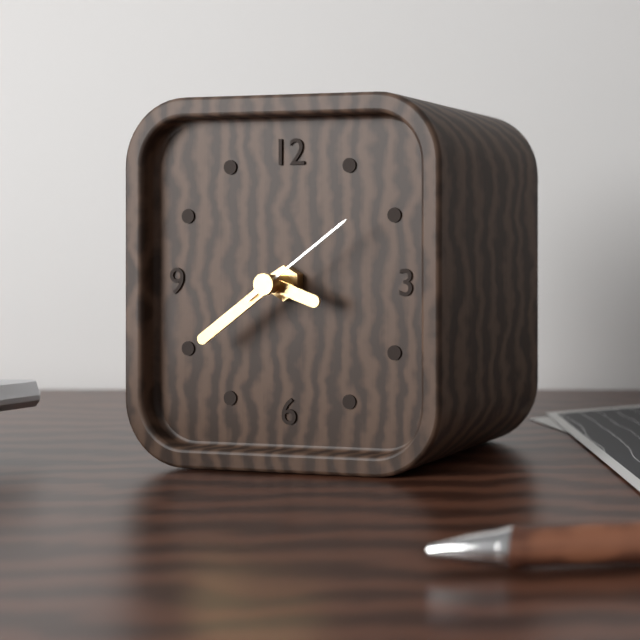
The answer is **3:39:09**
